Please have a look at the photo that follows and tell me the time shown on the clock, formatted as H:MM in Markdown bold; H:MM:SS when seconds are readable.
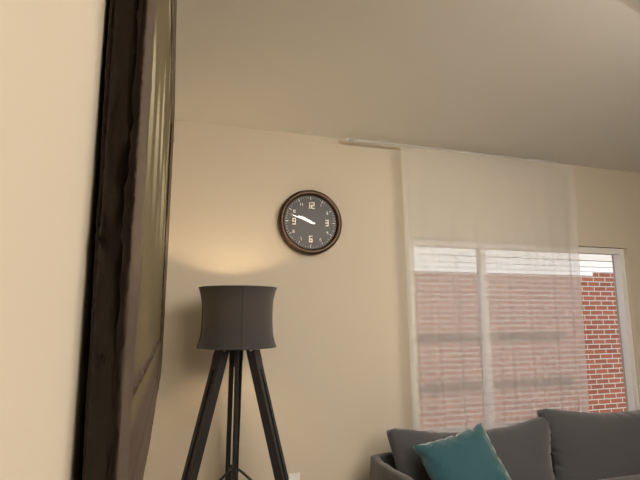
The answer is **9:48**
